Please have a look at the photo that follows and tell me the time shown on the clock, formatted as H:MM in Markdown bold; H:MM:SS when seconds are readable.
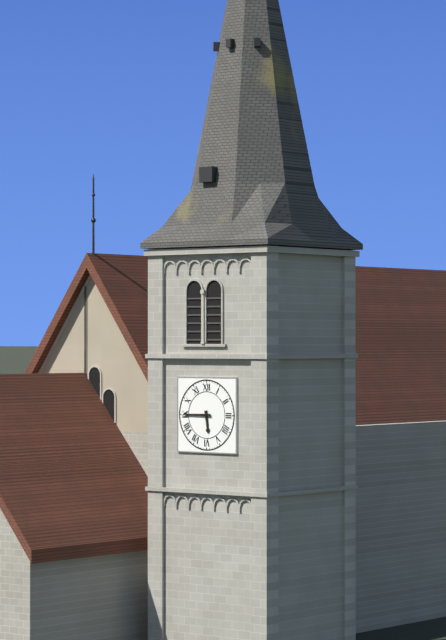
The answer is **5:45**
